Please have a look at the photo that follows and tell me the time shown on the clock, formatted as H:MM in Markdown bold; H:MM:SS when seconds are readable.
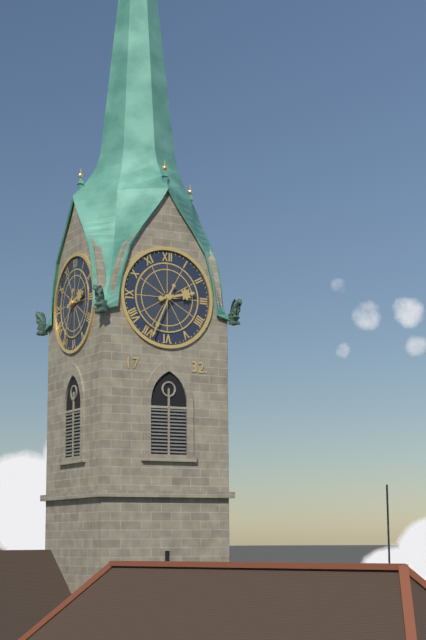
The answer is **2:34**
